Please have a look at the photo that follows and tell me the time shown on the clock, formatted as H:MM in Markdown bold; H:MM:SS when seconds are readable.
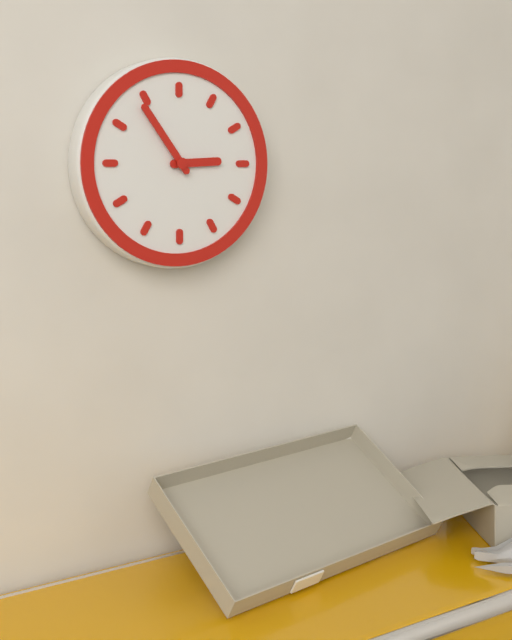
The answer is **2:54**
